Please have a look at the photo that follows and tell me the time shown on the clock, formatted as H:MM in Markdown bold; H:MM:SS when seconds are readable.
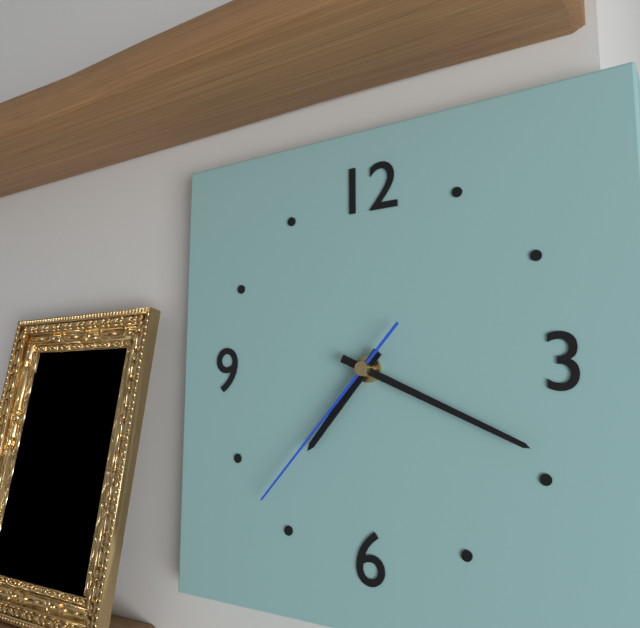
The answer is **7:19:37**
